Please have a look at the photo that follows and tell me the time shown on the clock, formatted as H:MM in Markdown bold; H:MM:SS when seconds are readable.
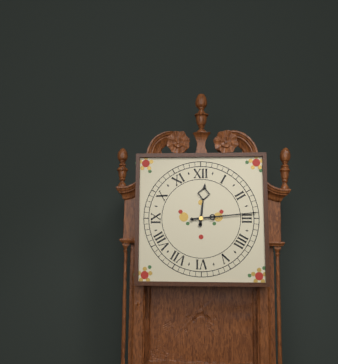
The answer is **12:14**
